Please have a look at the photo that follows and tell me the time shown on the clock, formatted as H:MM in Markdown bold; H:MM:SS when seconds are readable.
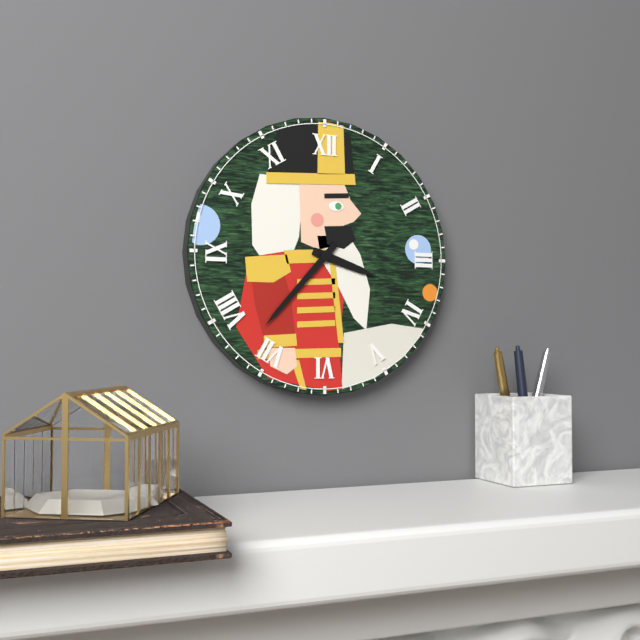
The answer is **3:37**
